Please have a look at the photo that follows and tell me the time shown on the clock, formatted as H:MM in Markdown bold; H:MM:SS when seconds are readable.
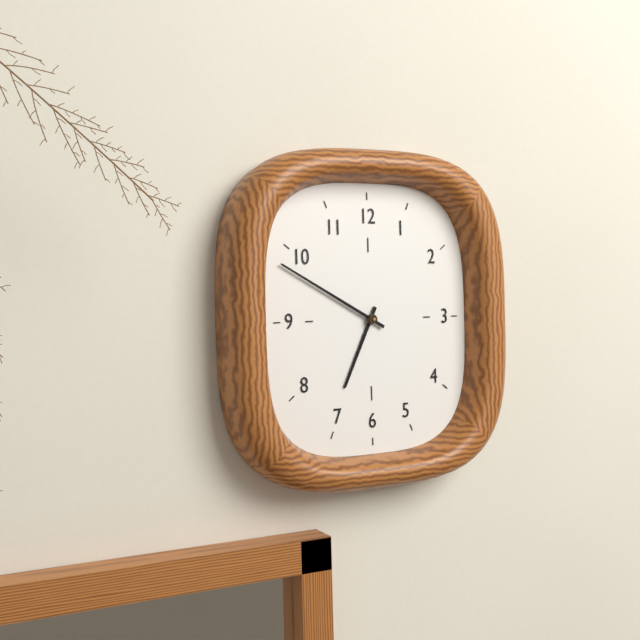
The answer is **6:50**
